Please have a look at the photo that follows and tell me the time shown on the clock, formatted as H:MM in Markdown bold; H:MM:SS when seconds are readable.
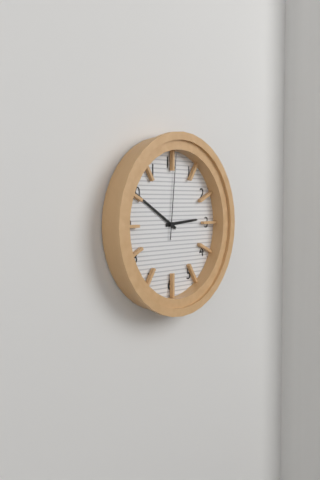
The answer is **2:50:01**
